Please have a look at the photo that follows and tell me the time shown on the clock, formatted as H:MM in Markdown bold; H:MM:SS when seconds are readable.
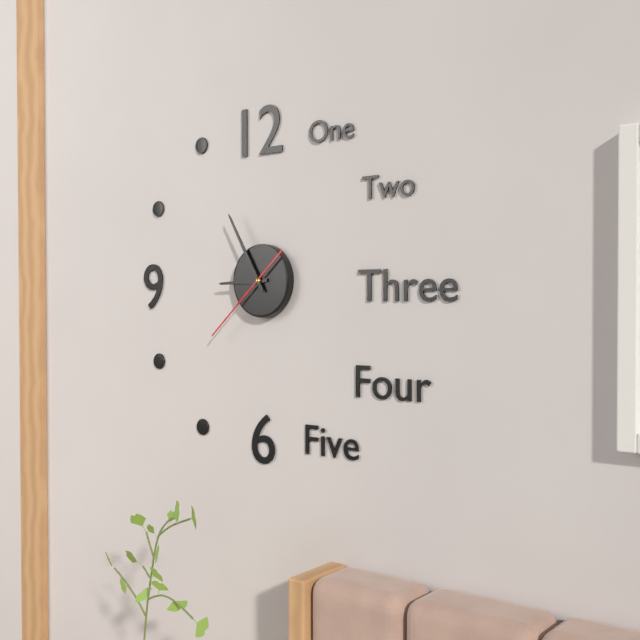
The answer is **8:55:38**
